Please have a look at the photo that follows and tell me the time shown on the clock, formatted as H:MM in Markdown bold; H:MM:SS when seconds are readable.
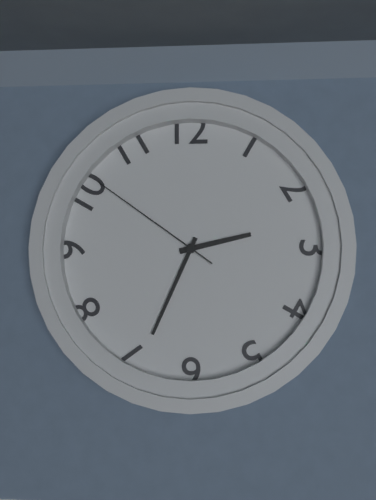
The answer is **2:34:51**
